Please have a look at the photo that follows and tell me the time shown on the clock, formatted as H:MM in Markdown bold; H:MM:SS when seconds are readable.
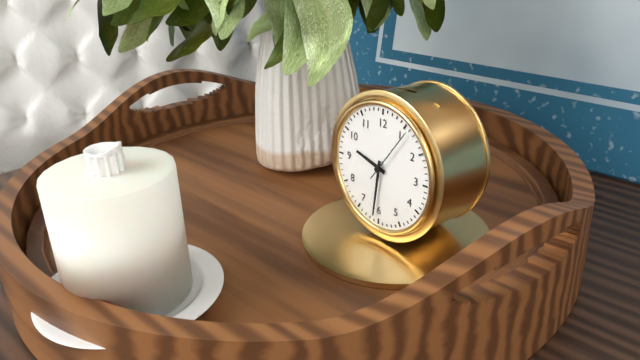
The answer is **9:31:06**
